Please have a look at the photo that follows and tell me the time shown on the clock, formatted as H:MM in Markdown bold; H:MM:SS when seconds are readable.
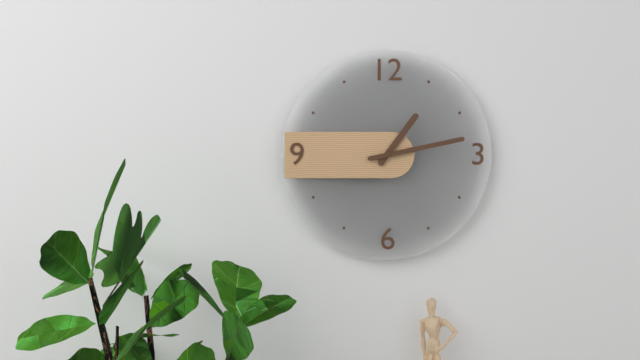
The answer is **1:13**
